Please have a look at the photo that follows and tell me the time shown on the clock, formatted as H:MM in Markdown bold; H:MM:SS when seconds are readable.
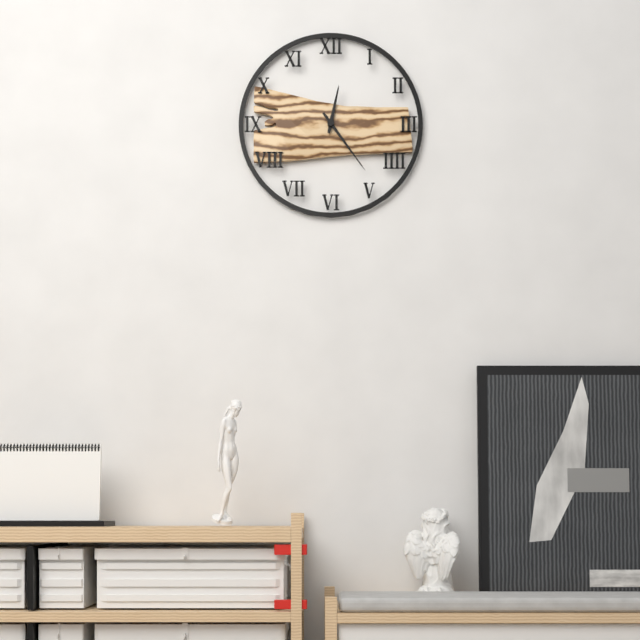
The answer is **12:24**
